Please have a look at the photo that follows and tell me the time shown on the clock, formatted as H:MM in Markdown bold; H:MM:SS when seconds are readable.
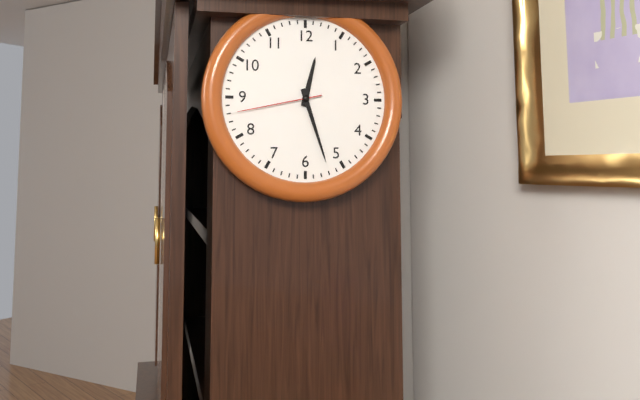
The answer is **12:27:43**
